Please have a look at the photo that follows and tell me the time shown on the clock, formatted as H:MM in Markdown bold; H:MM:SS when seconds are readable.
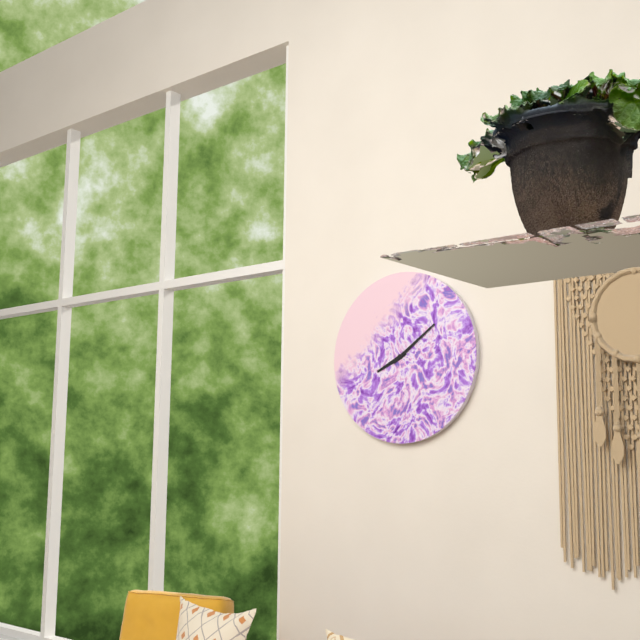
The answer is **8:09**
